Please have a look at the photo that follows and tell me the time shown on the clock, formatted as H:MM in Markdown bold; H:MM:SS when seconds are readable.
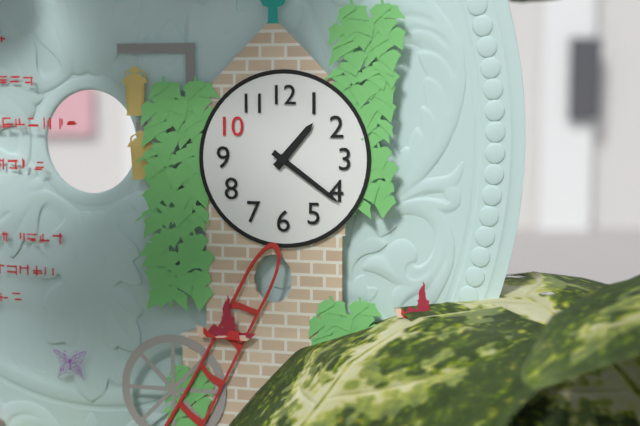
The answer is **1:21**
